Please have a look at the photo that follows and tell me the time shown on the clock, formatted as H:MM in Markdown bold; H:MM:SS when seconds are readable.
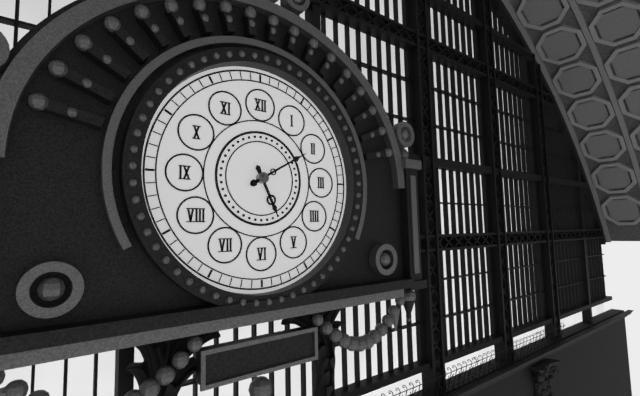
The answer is **5:10**
